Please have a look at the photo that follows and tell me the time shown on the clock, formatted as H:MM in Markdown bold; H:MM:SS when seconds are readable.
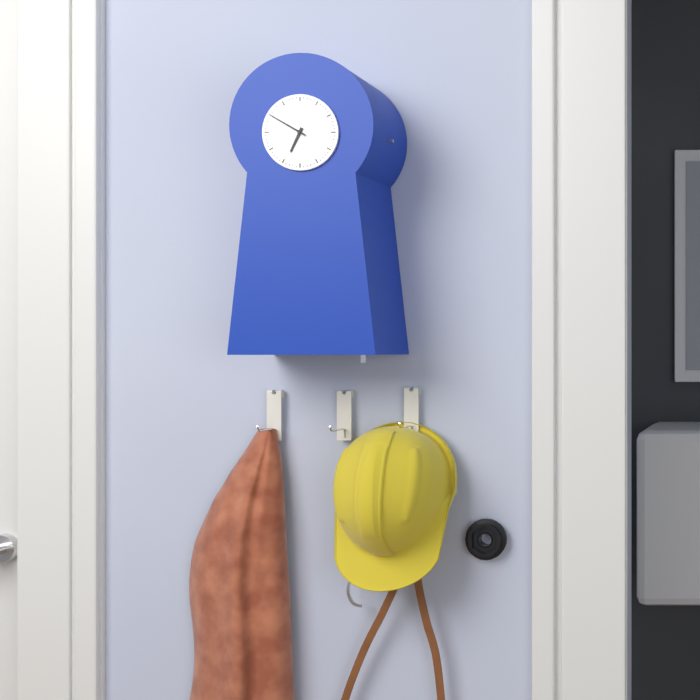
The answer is **6:50**
